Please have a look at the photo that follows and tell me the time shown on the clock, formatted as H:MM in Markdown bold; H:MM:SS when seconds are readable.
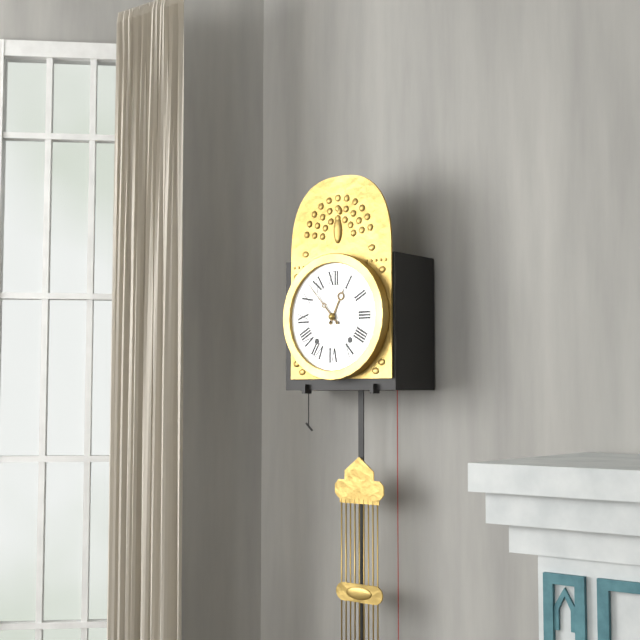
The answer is **12:53**
